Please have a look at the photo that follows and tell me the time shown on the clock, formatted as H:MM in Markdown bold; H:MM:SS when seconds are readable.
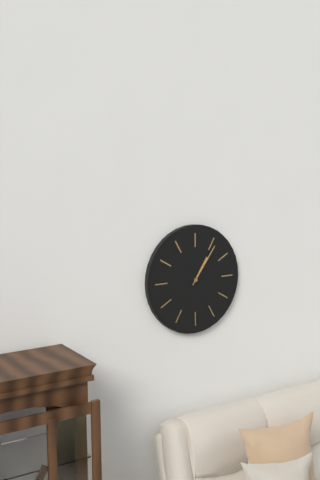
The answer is **1:06**
